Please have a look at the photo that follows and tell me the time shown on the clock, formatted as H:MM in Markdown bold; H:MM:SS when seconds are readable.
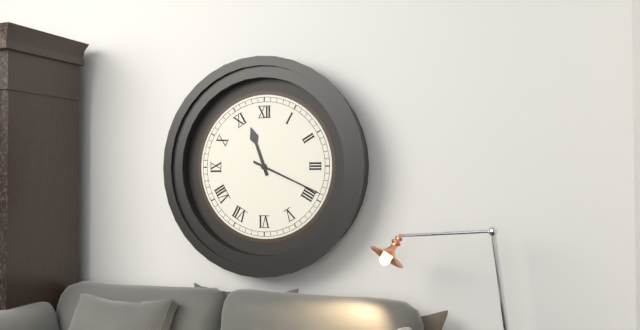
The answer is **11:19**
